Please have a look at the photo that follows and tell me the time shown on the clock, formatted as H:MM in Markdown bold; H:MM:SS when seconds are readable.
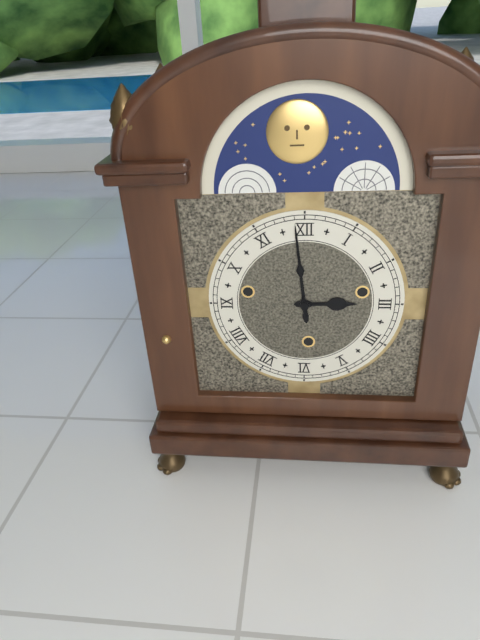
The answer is **2:59**
